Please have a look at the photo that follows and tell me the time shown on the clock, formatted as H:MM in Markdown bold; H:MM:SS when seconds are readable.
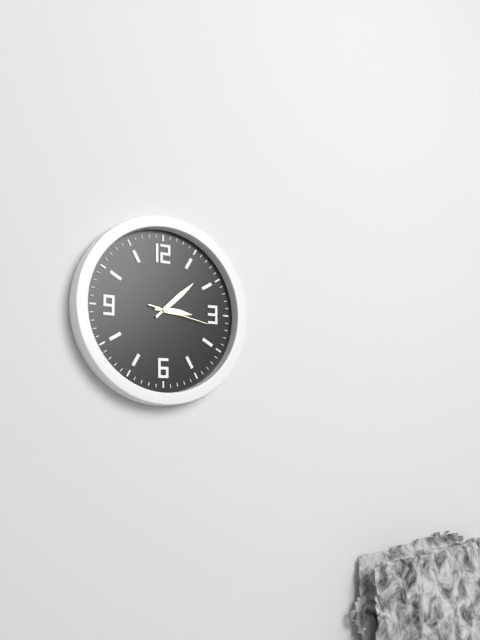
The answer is **3:08:17**
